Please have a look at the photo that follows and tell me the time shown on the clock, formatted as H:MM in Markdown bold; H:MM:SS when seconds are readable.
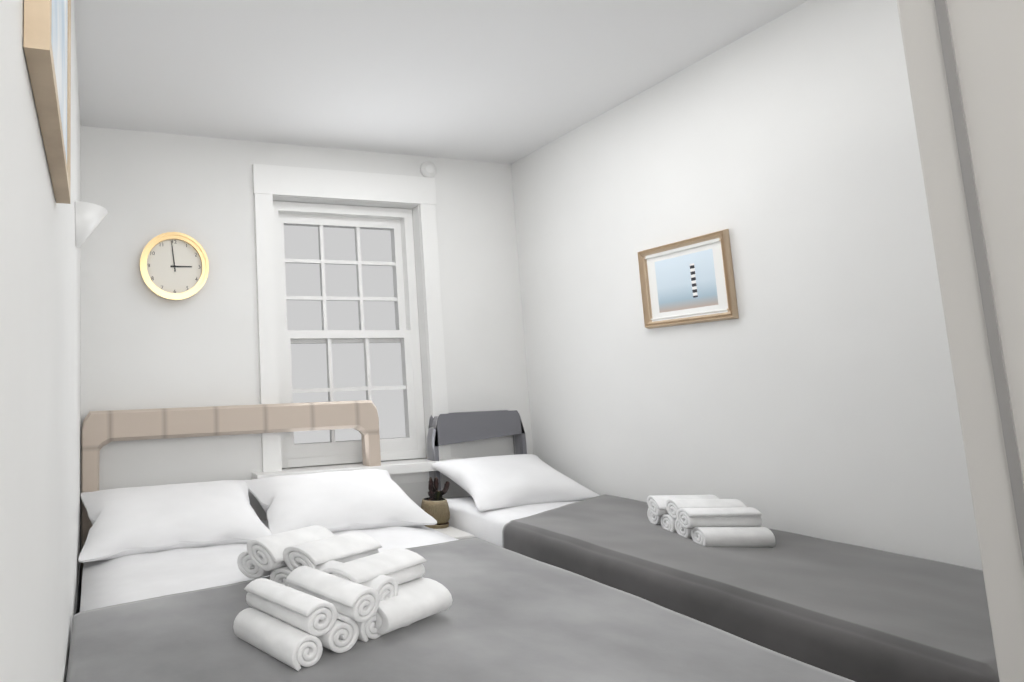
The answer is **2:59**
